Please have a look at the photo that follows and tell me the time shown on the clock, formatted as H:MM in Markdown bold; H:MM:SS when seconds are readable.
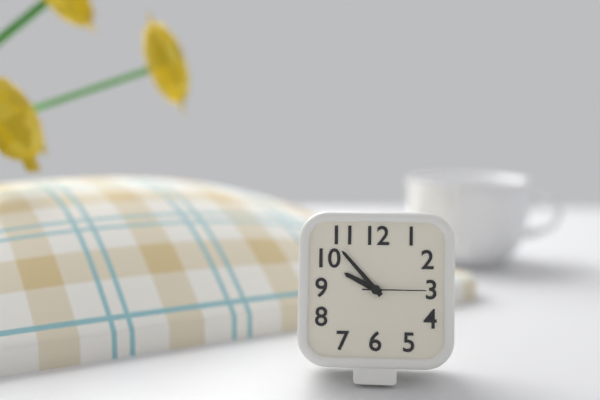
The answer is **9:53:15**
